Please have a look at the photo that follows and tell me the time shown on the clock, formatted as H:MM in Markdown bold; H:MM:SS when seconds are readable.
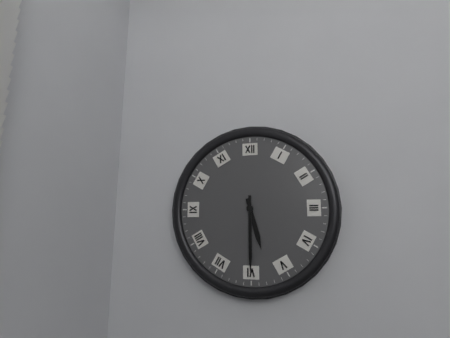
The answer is **5:30**
